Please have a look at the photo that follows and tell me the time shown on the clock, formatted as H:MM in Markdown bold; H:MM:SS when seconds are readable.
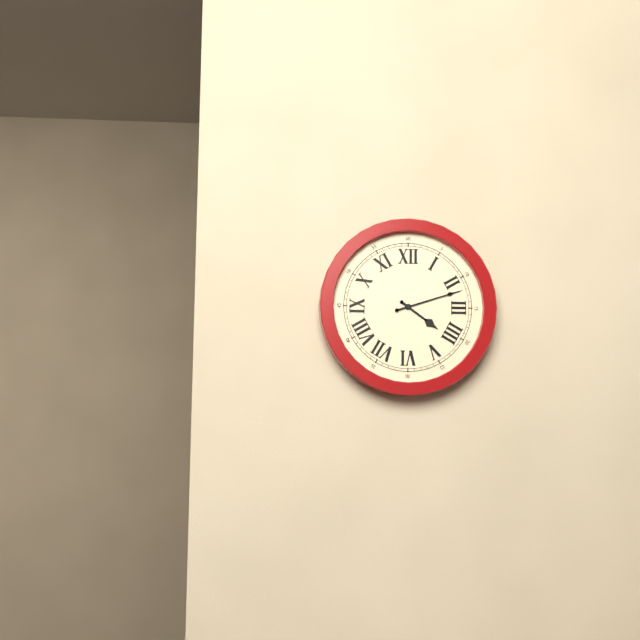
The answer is **4:12**
